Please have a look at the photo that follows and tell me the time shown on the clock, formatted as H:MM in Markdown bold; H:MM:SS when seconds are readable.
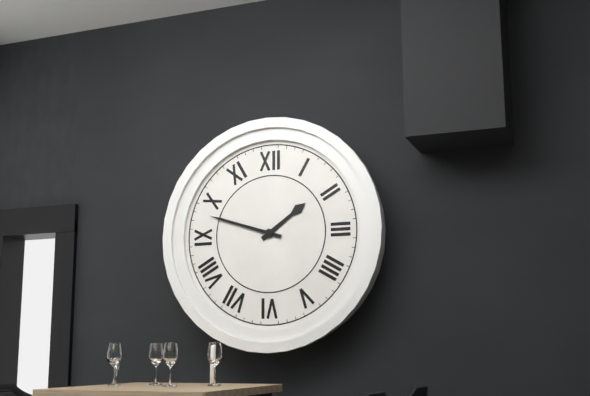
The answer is **1:48**
